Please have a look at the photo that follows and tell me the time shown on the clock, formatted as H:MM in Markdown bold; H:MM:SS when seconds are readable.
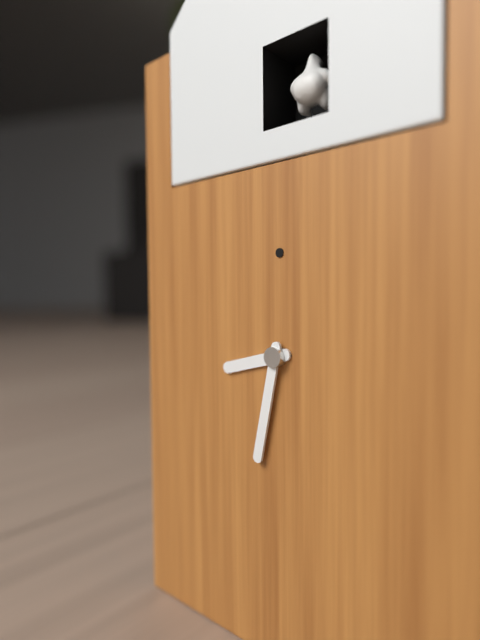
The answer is **8:32**
